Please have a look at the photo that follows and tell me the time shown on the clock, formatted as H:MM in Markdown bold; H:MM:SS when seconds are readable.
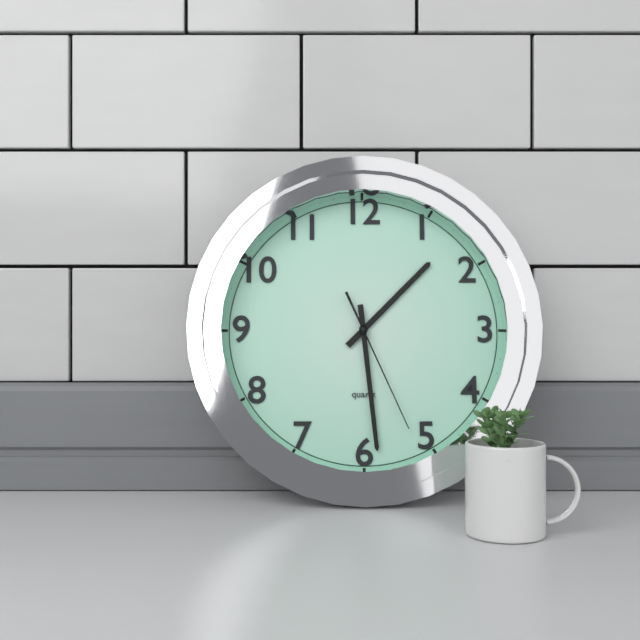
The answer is **1:29:26**
